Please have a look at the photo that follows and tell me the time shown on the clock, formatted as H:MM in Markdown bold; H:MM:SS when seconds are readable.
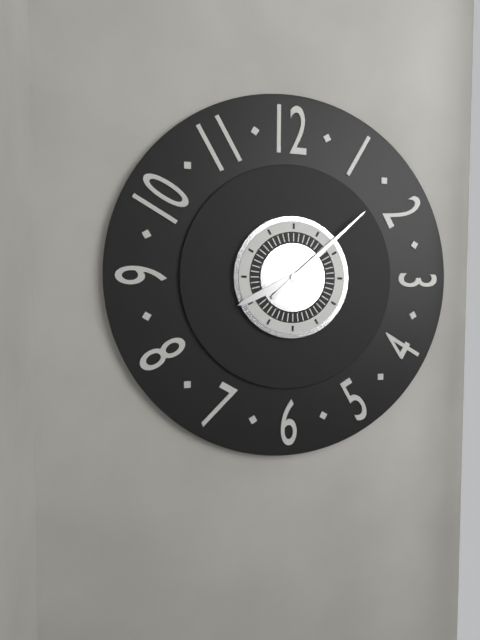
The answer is **8:08**
